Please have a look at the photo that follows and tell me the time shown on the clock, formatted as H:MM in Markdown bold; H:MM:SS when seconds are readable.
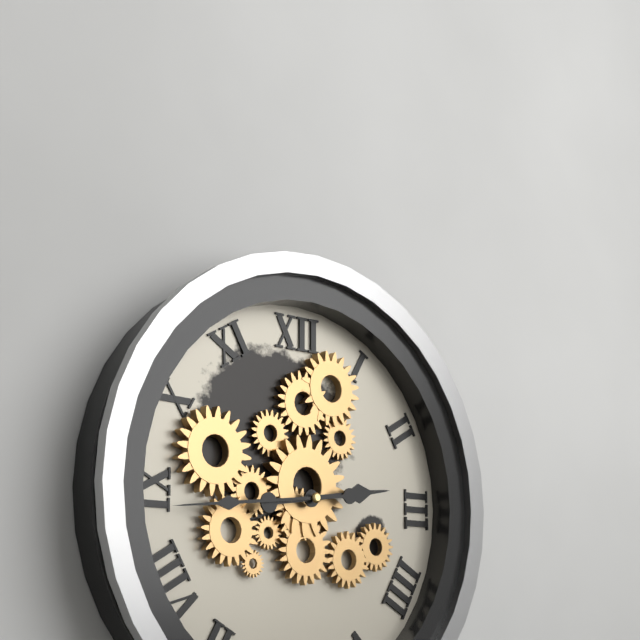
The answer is **2:44**
